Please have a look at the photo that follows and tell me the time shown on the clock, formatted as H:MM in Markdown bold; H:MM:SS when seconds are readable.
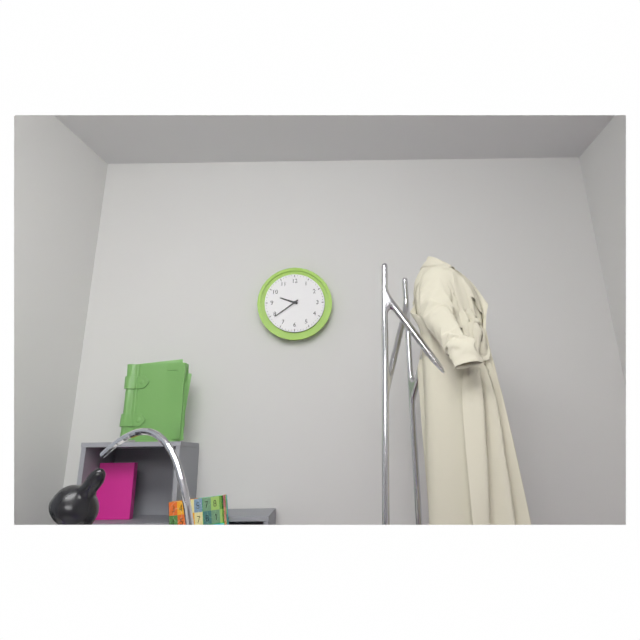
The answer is **9:39**
